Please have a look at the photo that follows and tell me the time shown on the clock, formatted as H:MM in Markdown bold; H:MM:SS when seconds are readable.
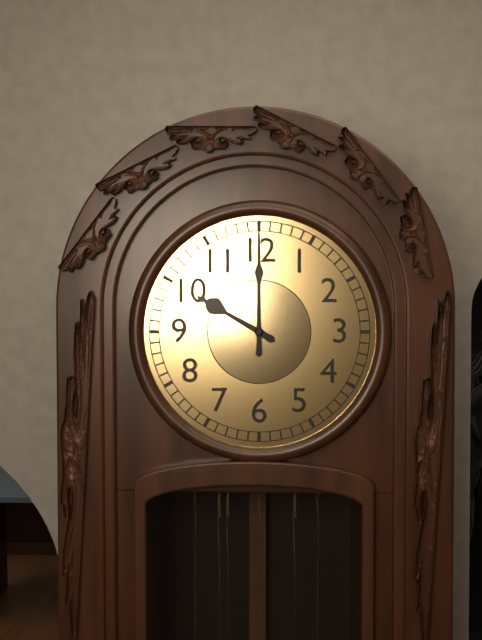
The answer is **10:00**
